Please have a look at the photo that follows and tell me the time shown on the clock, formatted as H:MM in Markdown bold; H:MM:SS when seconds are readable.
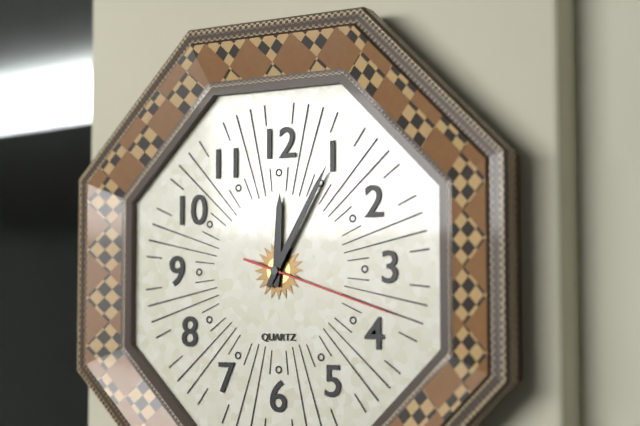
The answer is **12:05:18**
